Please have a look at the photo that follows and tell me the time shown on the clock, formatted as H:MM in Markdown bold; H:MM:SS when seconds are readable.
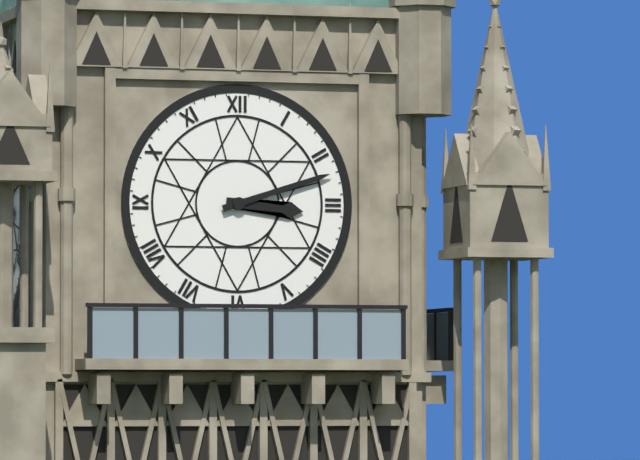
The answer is **3:12**
